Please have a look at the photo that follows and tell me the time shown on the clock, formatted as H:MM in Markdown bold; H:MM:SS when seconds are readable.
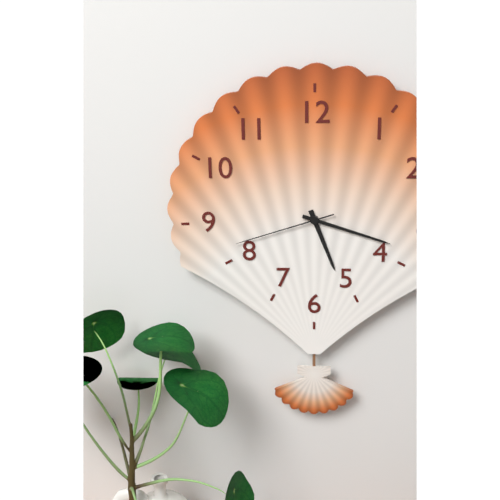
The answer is **5:18:42**
